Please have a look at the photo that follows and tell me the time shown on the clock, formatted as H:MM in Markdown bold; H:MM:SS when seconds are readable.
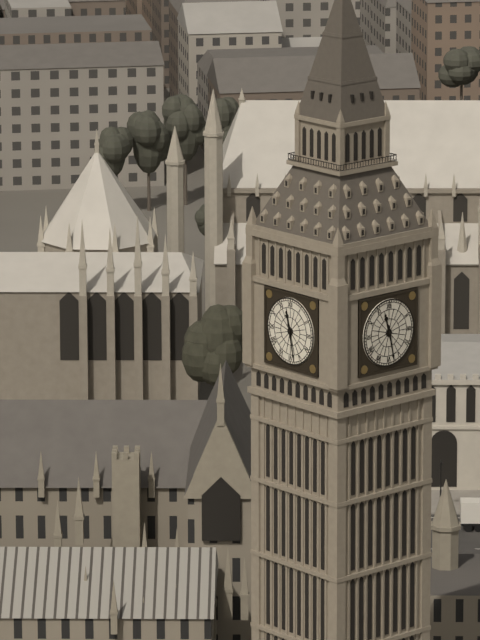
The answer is **11:28**
